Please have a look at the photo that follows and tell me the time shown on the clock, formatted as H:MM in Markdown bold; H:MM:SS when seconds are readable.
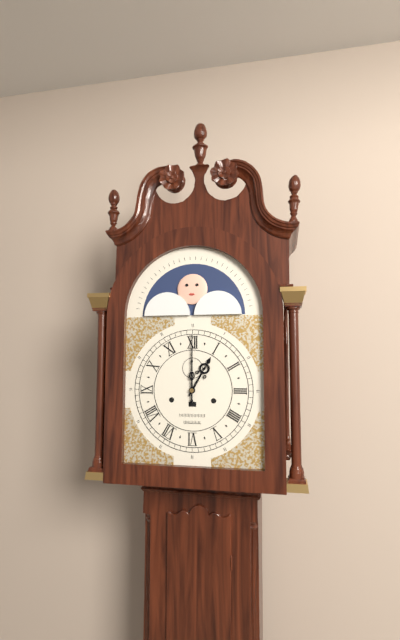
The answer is **1:00**
